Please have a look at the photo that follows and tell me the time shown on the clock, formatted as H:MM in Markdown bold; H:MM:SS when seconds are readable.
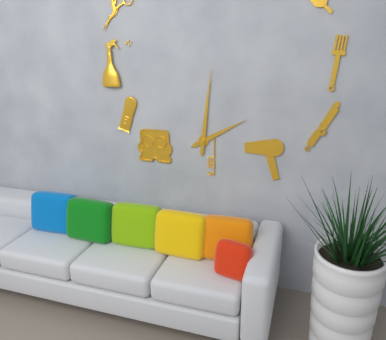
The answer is **2:01**
